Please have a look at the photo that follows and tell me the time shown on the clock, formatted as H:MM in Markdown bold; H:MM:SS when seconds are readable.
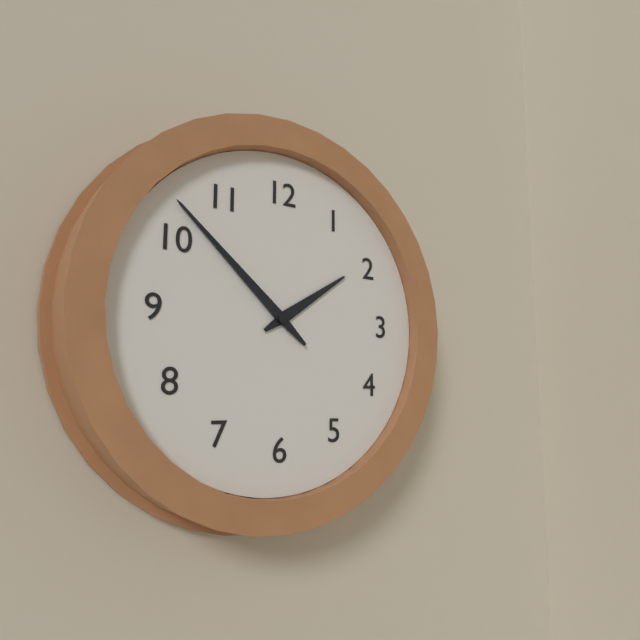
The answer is **1:52**
